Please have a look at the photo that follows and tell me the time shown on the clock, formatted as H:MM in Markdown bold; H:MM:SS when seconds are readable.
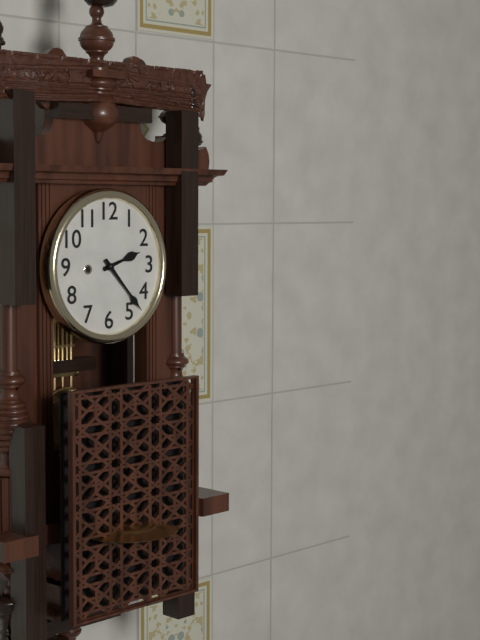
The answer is **2:23**
